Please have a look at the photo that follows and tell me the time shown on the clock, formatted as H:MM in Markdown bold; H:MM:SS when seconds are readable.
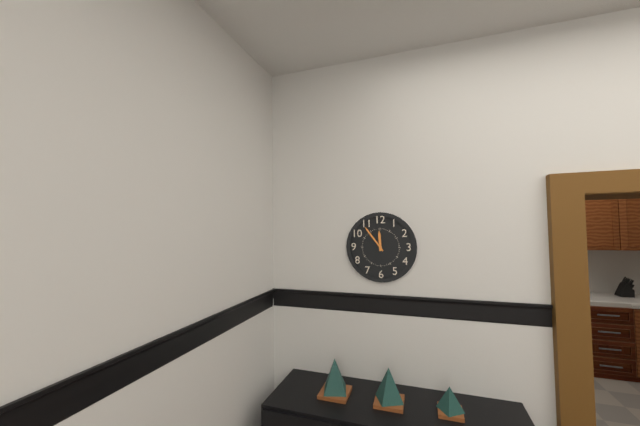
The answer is **11:54**
